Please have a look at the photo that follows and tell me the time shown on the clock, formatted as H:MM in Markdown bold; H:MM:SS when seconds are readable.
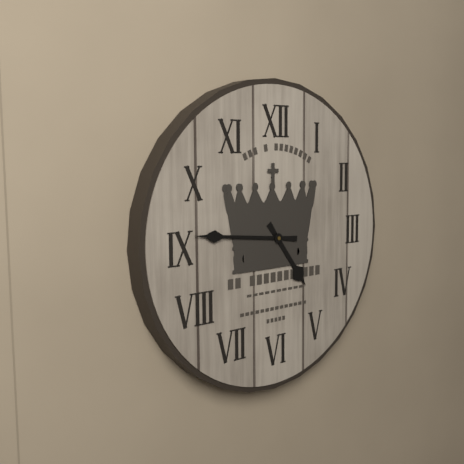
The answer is **4:46**
